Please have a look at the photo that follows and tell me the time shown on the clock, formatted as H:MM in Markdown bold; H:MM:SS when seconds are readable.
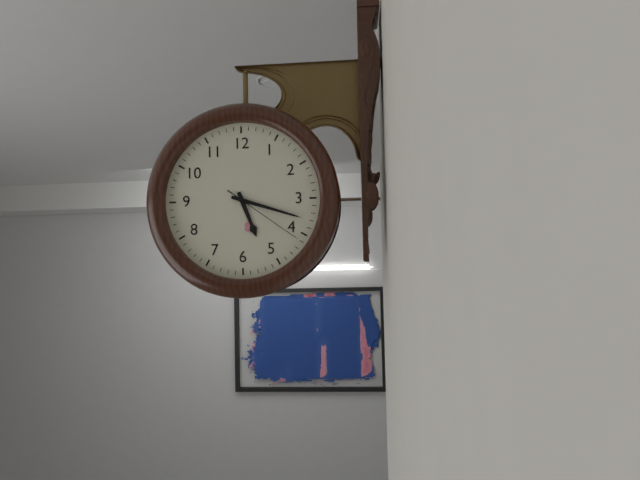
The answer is **5:18:21**
